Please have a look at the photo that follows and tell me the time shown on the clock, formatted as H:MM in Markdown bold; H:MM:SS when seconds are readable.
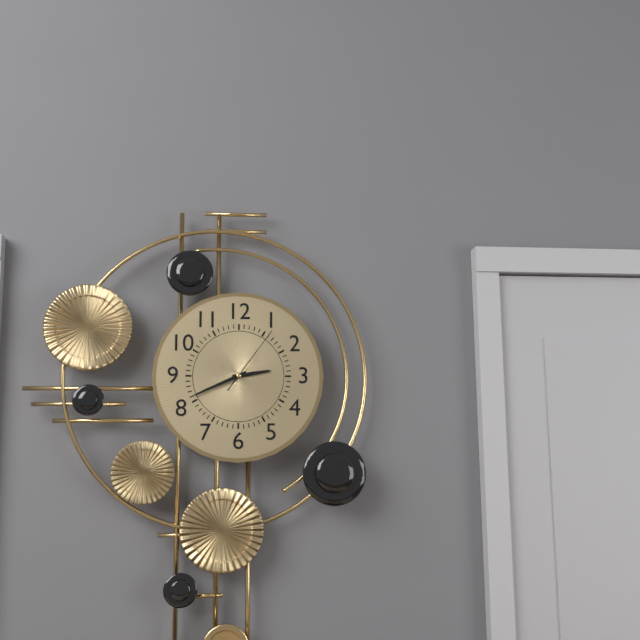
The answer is **2:41:06**
